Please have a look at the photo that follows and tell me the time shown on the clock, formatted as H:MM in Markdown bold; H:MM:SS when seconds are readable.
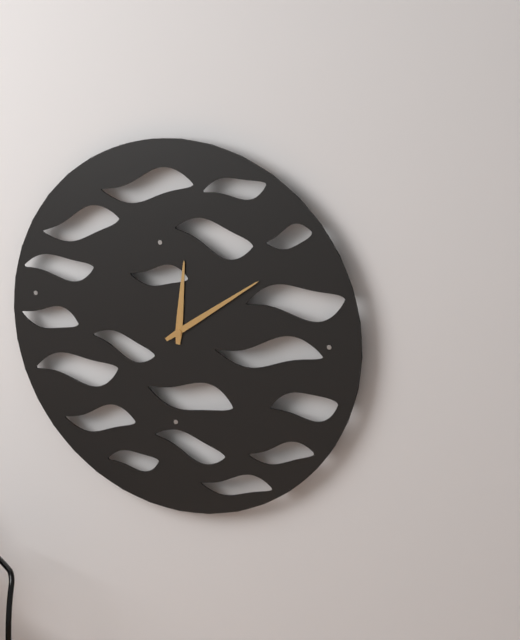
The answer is **12:09**
